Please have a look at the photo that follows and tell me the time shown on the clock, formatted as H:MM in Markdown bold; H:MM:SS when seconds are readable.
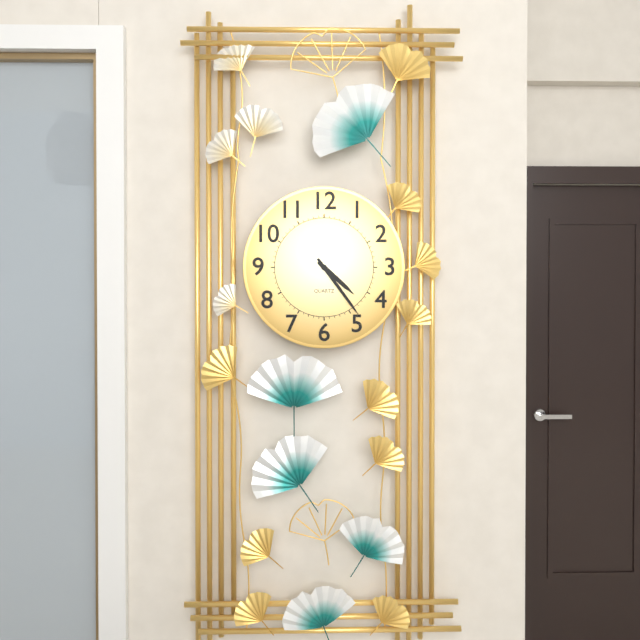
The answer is **4:24**
